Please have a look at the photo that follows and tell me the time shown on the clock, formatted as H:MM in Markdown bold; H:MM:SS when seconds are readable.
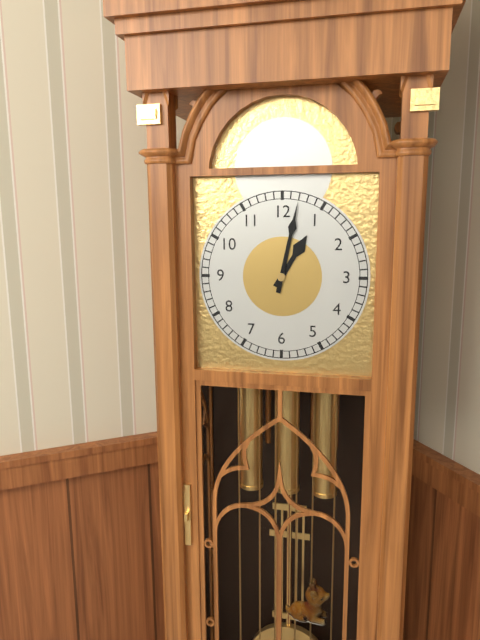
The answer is **1:02**
